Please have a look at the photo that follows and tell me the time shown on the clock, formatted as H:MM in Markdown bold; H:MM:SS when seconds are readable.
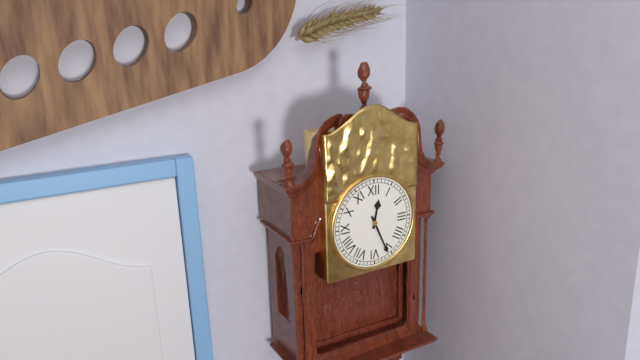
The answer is **12:26**
